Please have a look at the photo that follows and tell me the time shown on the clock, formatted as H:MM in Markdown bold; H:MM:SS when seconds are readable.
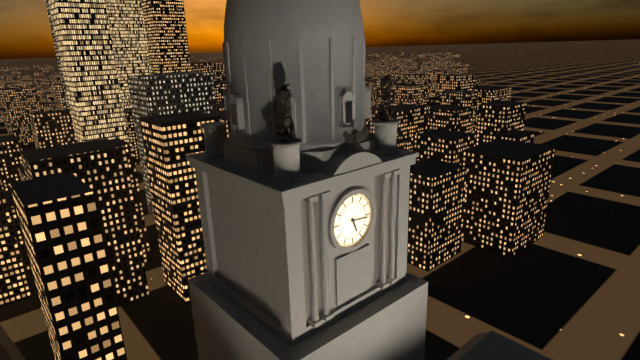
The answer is **5:16**
